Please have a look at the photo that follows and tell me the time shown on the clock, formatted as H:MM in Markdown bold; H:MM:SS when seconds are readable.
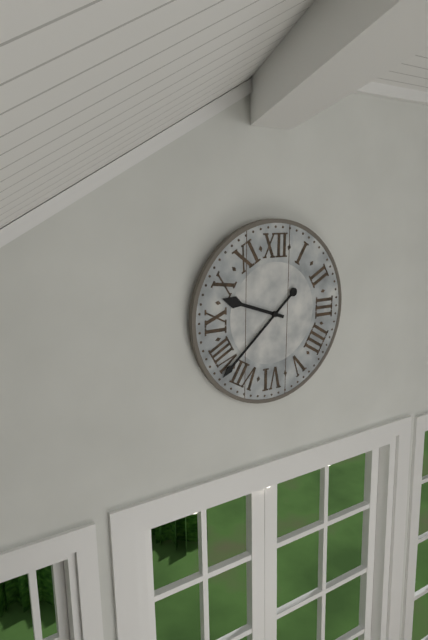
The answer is **9:38**
